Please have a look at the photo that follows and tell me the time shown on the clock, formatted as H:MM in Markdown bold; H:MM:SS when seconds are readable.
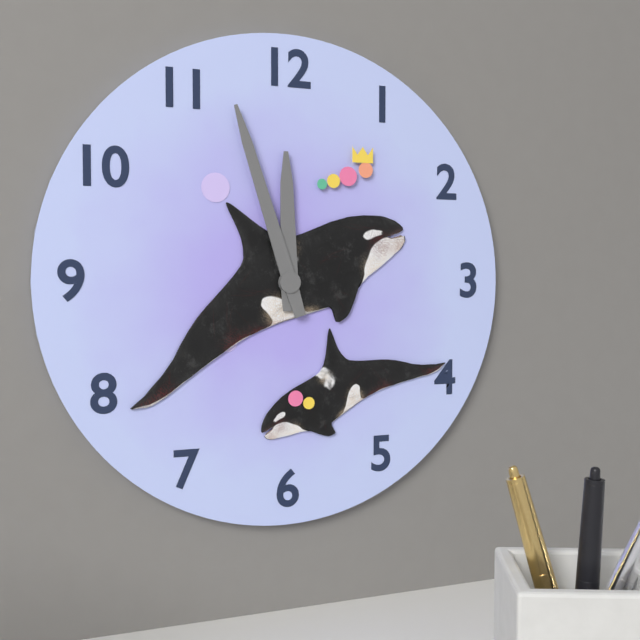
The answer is **11:57**
